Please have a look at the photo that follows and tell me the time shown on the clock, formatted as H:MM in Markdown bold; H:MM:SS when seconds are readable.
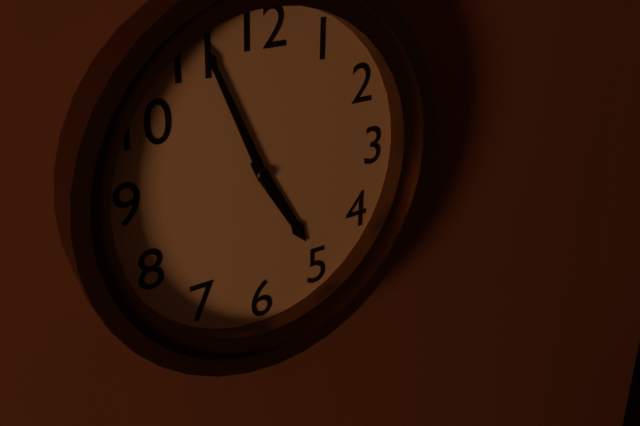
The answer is **4:56**
